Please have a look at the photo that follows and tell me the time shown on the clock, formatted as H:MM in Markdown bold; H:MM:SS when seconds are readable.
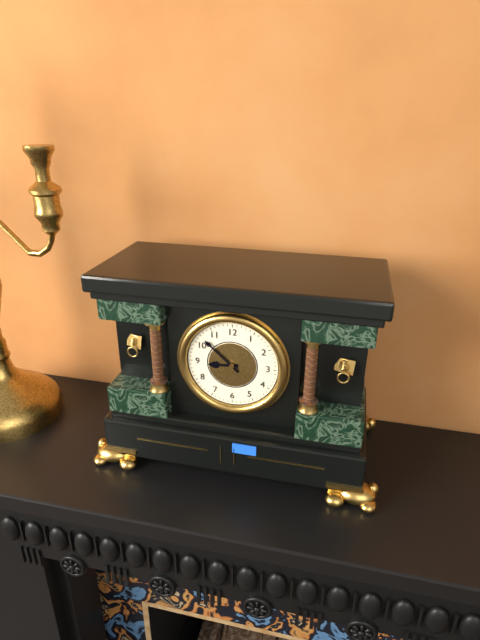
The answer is **8:52**
